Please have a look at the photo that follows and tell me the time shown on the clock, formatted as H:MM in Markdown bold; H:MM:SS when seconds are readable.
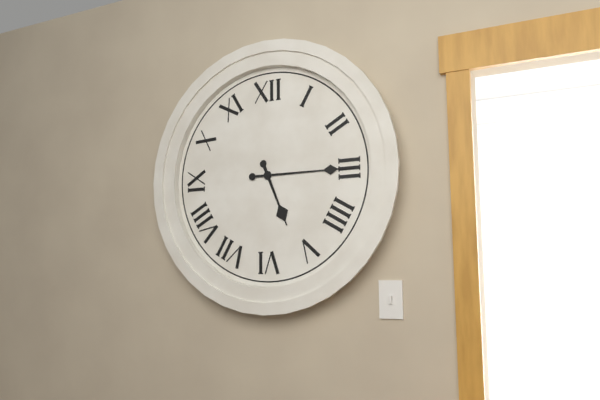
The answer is **5:15**
